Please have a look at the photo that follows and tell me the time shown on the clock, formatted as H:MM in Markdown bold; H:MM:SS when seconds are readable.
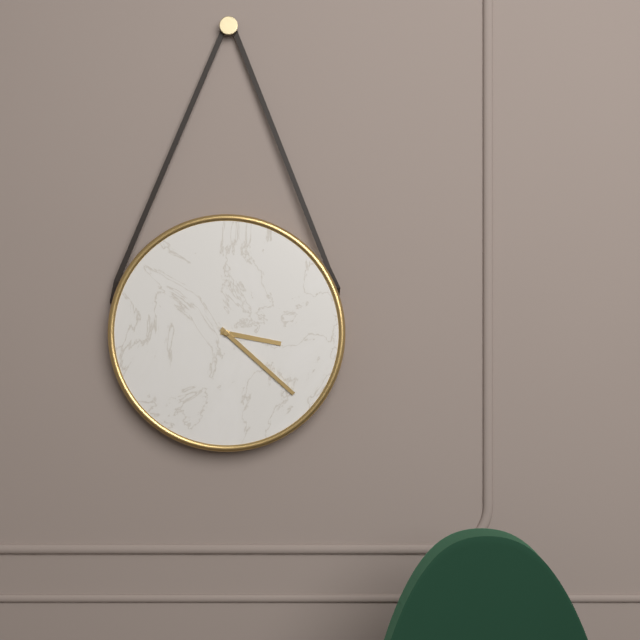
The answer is **3:22**
